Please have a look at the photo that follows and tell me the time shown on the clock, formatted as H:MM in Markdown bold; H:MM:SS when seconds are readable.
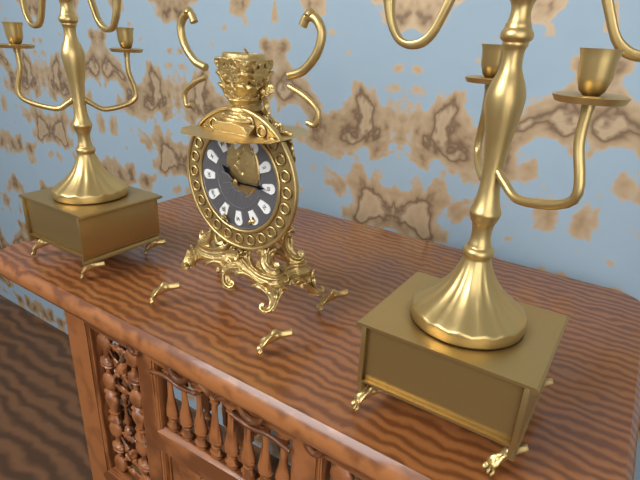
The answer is **10:15**
